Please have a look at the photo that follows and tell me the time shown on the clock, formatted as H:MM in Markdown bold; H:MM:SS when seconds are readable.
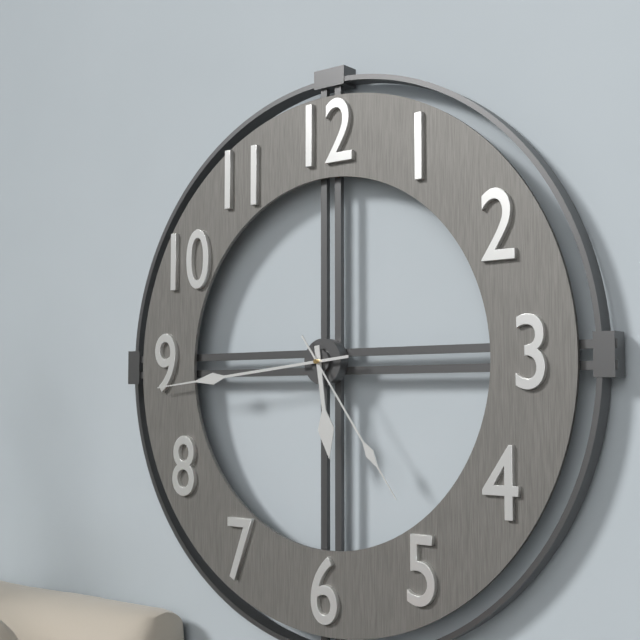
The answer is **5:44:24**
